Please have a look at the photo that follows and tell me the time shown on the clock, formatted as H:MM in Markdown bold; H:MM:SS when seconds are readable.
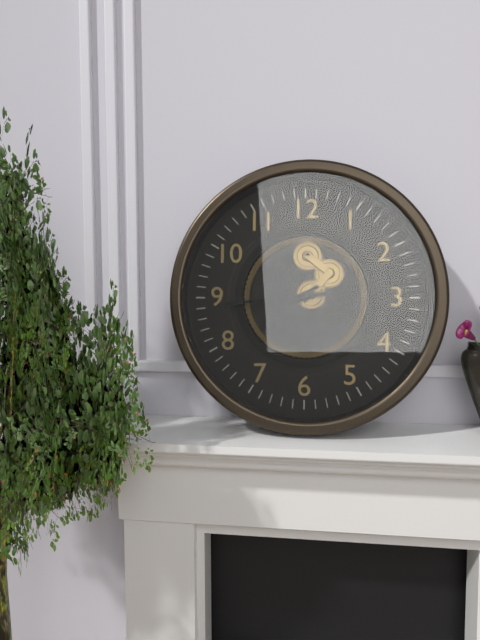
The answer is **7:44**
